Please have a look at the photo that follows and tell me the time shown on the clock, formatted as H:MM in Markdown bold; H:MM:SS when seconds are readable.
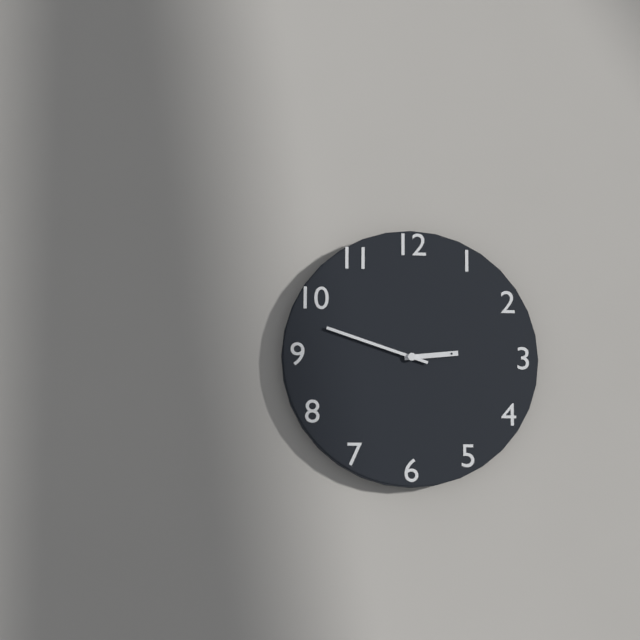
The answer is **2:48**
